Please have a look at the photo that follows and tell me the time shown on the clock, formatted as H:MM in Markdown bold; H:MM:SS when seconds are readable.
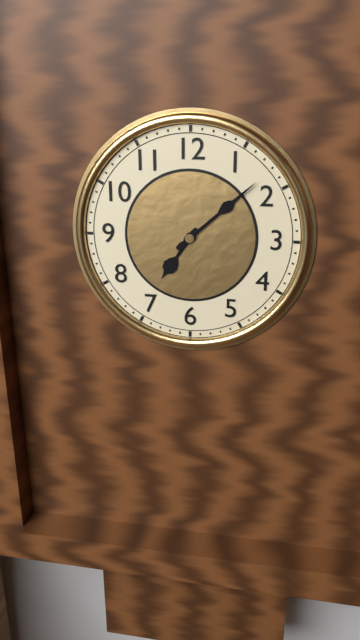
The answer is **7:08**
